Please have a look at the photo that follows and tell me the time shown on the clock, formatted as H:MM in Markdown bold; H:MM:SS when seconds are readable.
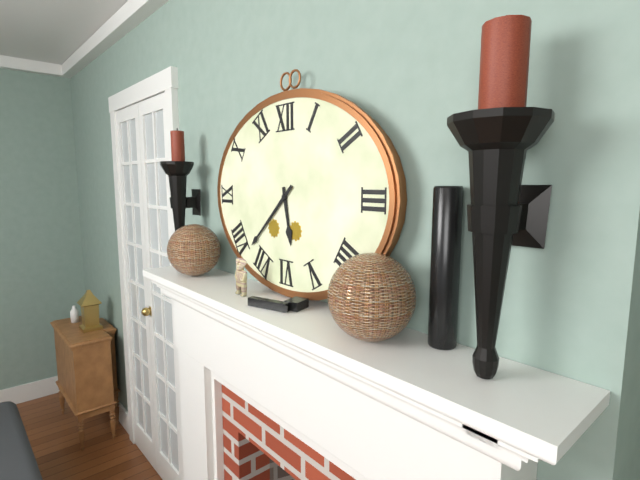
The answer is **5:38**
